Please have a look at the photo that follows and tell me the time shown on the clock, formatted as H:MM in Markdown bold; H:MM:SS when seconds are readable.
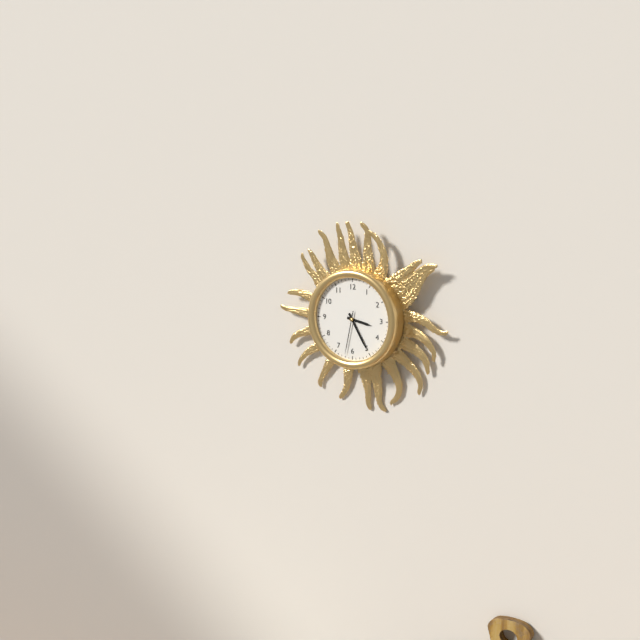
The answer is **3:25**
